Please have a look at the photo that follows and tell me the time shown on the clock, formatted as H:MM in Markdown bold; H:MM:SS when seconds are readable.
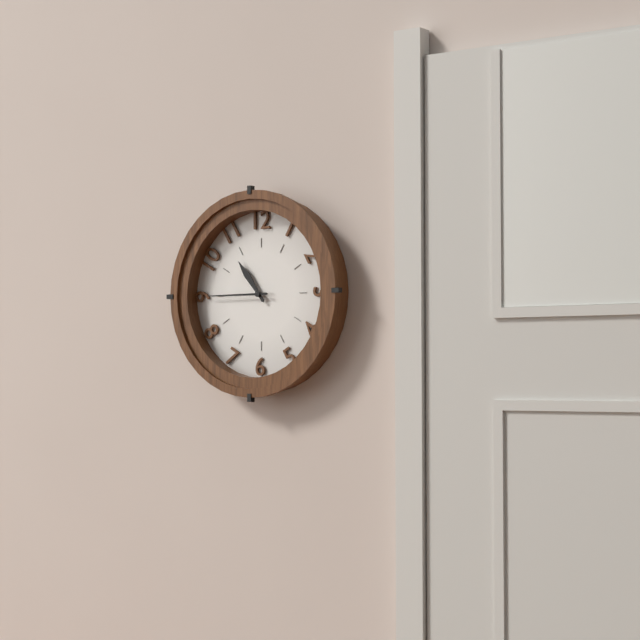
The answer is **10:45**
